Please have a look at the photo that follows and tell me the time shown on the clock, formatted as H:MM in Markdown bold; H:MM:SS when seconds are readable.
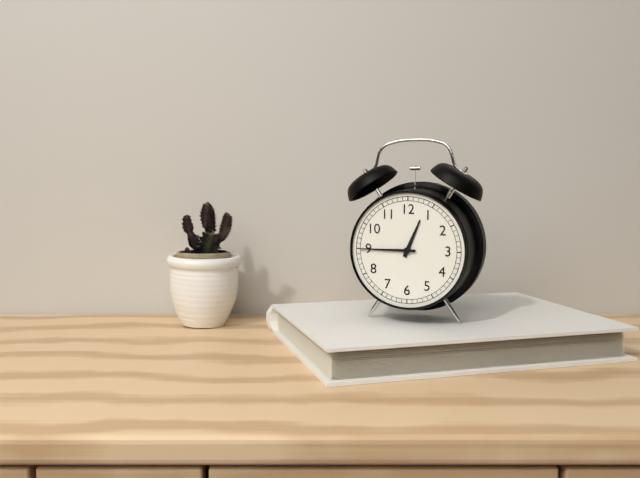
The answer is **12:45**
